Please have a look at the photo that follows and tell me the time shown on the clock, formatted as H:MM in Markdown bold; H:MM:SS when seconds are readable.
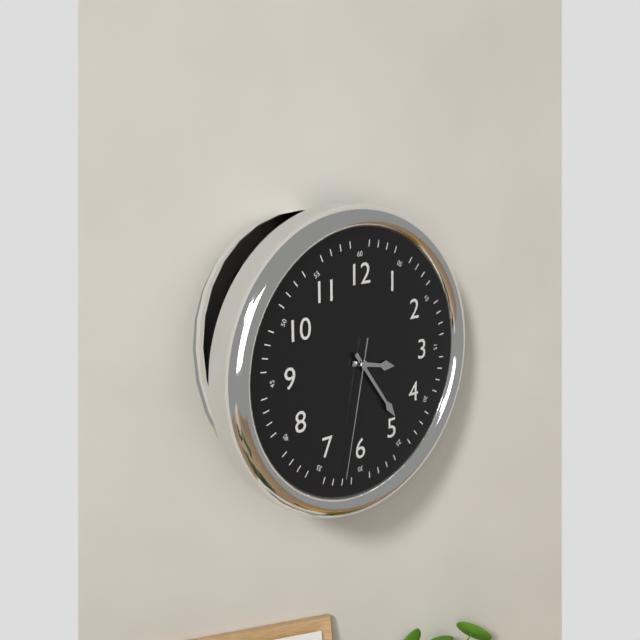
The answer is **3:24:32**
